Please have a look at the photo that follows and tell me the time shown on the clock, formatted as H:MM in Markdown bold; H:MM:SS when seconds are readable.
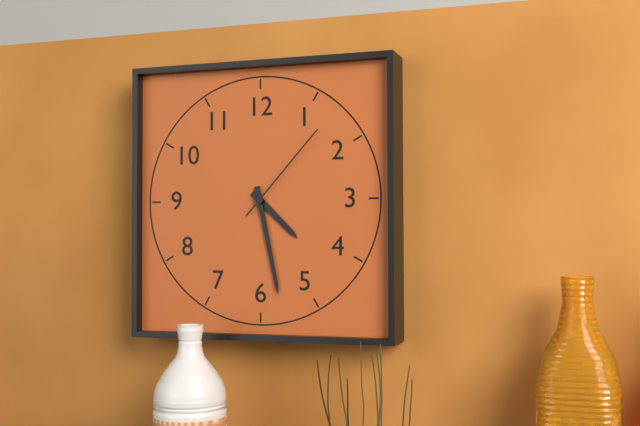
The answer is **4:28:07**
